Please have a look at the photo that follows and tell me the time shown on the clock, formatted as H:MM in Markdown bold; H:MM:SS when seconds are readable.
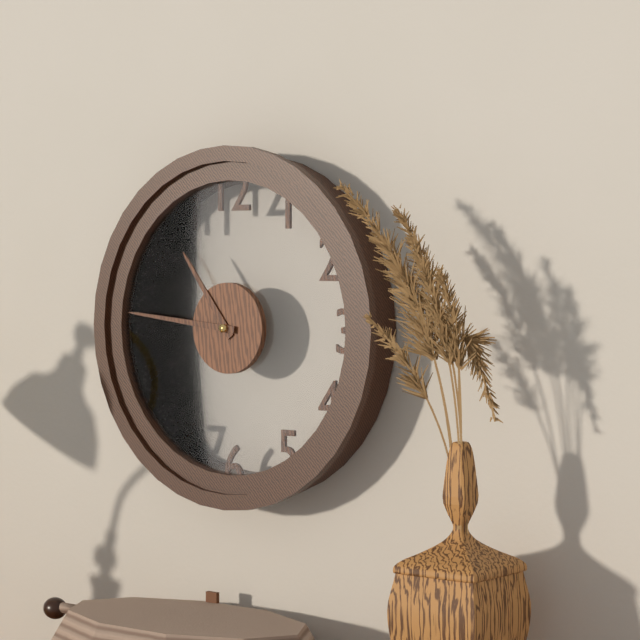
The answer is **10:46**
